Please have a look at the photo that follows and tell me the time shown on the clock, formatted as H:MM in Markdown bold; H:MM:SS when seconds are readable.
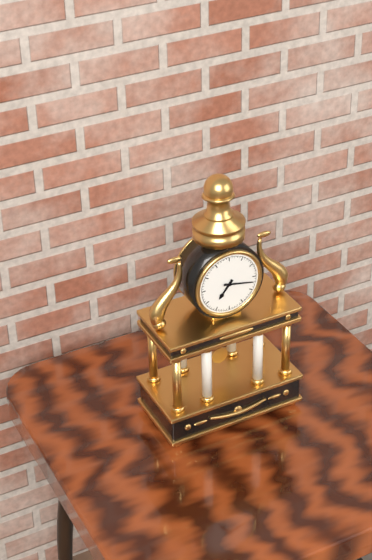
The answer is **7:17**
